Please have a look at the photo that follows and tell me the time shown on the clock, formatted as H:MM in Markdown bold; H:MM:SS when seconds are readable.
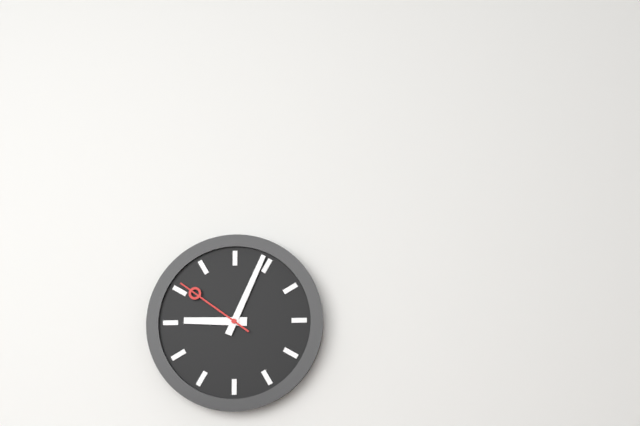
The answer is **9:04:51**
